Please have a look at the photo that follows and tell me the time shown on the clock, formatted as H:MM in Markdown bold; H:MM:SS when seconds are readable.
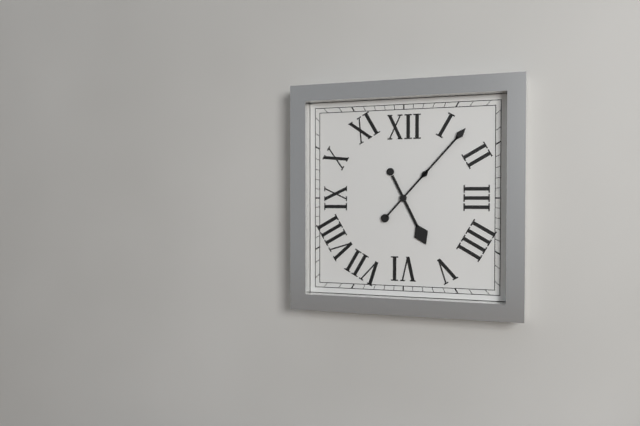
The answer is **5:07**
